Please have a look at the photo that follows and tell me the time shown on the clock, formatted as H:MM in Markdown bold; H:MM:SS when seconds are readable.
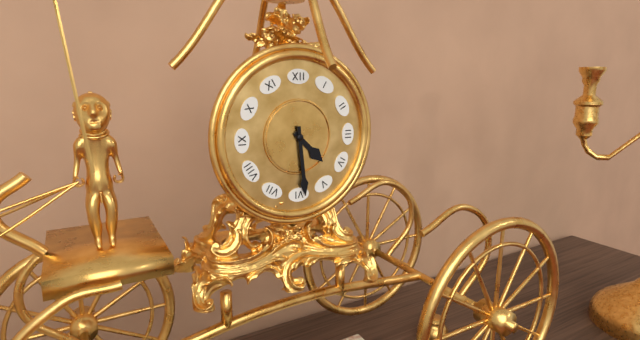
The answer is **4:29**
